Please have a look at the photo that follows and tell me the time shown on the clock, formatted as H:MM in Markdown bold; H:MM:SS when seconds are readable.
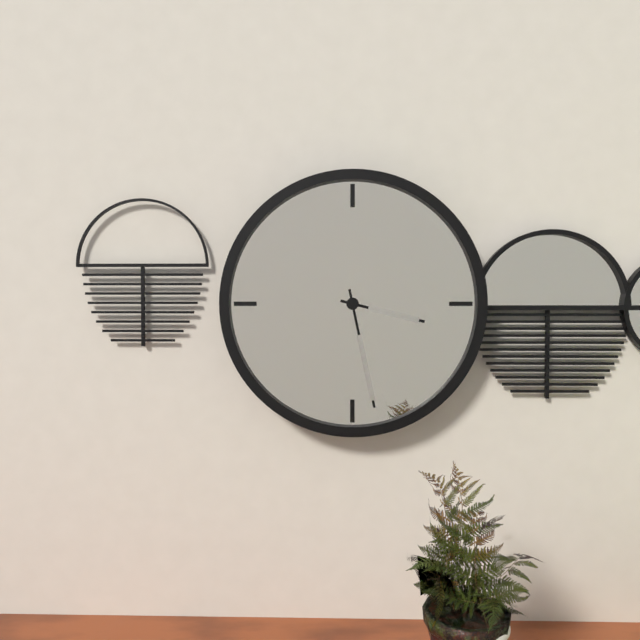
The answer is **3:28**
